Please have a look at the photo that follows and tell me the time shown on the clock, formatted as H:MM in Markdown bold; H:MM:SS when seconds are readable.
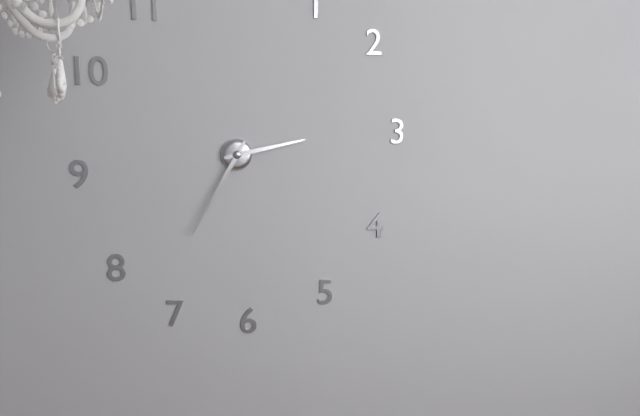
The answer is **2:35**
